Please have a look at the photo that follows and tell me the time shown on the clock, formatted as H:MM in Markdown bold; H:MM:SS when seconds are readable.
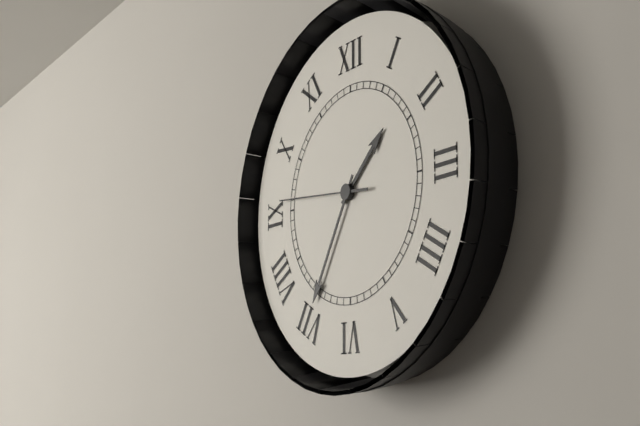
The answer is **1:35:46**
